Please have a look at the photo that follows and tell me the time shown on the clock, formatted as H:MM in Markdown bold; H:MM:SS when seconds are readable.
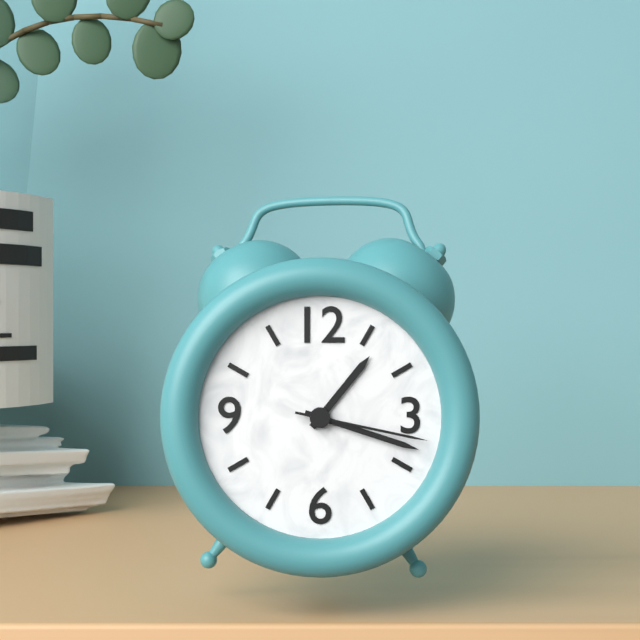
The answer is **1:18:17**
